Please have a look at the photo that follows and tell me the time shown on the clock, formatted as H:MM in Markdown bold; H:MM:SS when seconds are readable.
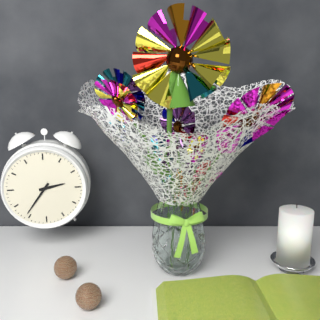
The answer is **2:36**
